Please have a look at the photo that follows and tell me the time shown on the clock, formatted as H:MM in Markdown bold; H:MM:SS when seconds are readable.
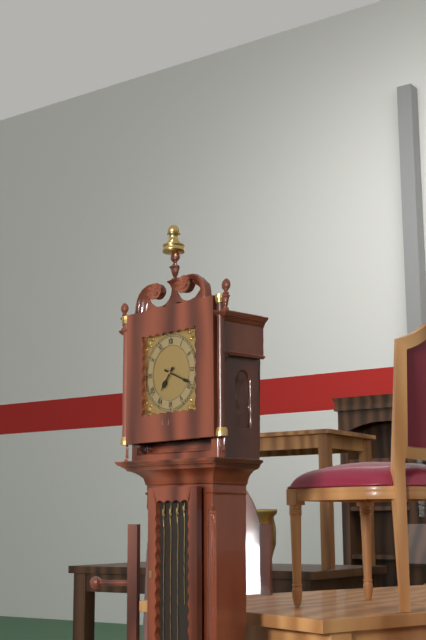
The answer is **7:19**
